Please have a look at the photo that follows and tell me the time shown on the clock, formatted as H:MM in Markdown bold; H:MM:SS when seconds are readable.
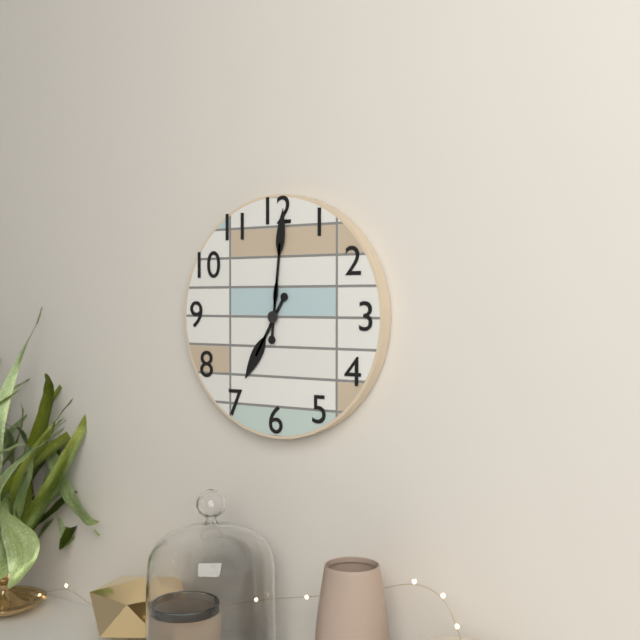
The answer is **7:01**
